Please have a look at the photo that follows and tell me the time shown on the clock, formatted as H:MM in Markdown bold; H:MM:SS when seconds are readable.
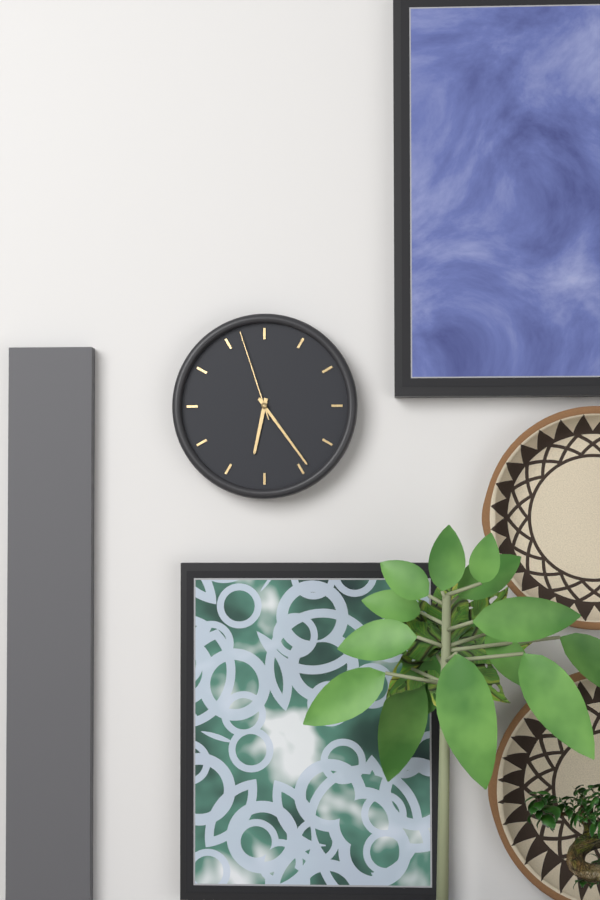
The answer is **6:24:57**
